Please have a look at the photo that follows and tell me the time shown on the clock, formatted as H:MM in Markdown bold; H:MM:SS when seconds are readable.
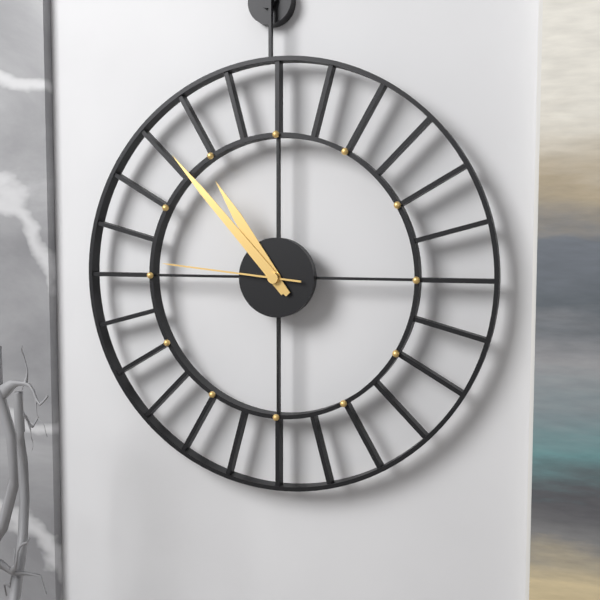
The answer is **10:53:46**
